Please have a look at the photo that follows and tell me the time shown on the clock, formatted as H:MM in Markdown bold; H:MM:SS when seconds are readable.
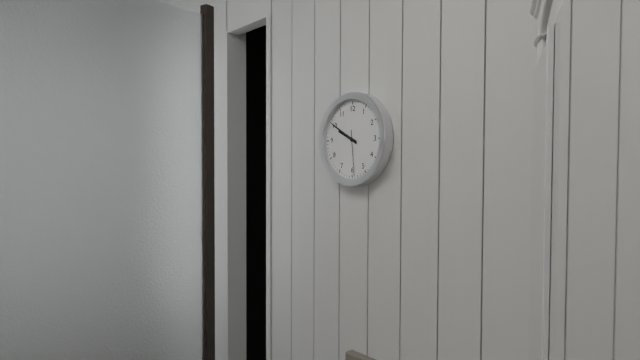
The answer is **9:50**
